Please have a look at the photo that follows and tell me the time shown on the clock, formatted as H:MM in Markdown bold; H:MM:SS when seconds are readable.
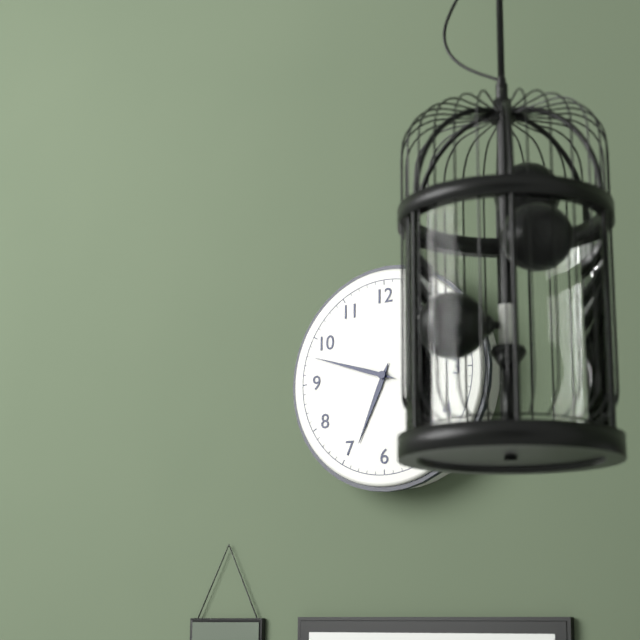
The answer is **6:48**
